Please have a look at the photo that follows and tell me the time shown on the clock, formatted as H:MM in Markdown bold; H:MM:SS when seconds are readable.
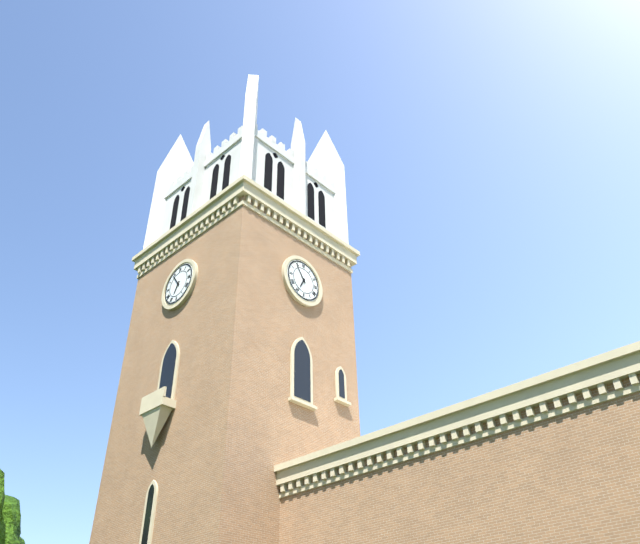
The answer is **6:54**
